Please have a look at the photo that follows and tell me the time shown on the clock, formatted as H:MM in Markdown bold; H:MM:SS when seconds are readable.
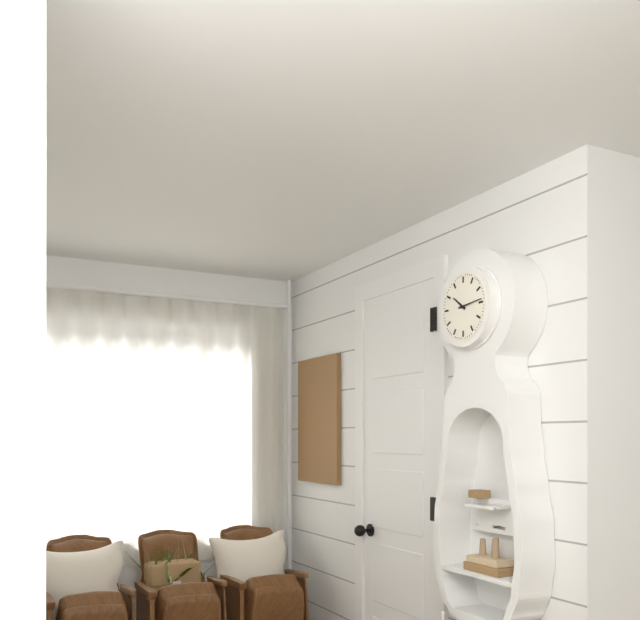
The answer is **10:14**
